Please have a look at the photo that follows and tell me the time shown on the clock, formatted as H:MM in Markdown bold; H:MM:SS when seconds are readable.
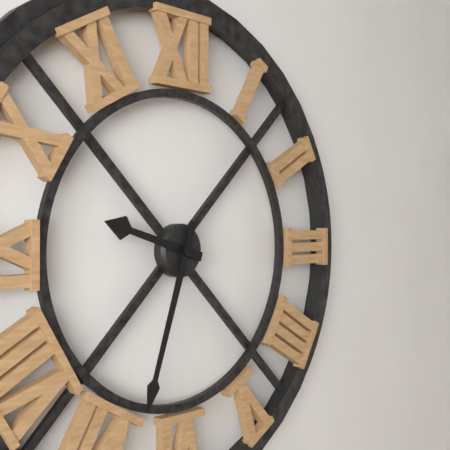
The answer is **9:33**
